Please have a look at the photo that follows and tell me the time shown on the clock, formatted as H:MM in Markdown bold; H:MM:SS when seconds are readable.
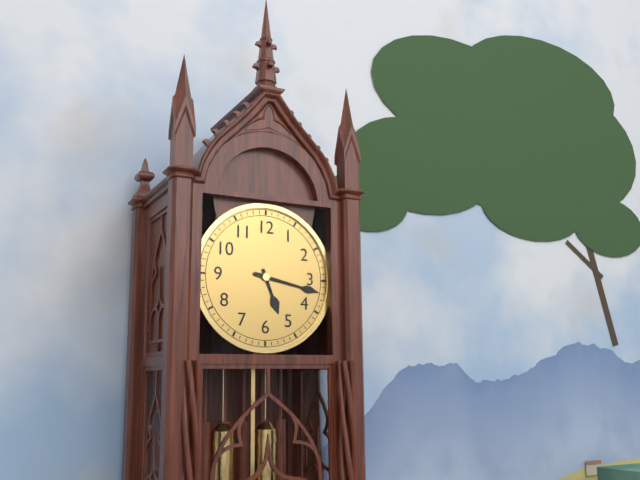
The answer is **5:17**
